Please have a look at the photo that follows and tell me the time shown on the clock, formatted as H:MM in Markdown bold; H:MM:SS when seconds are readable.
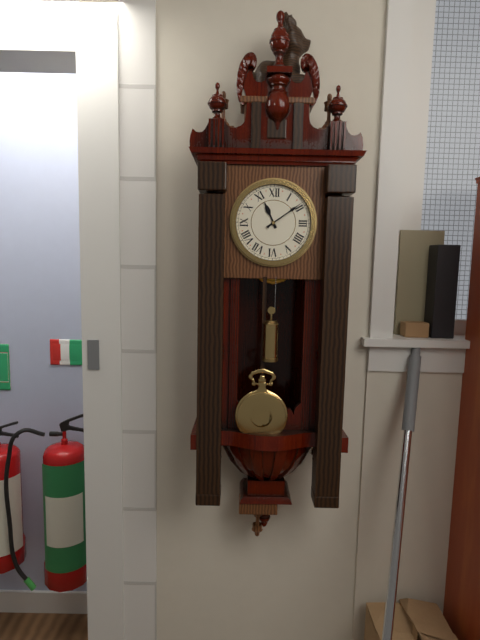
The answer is **11:09**
